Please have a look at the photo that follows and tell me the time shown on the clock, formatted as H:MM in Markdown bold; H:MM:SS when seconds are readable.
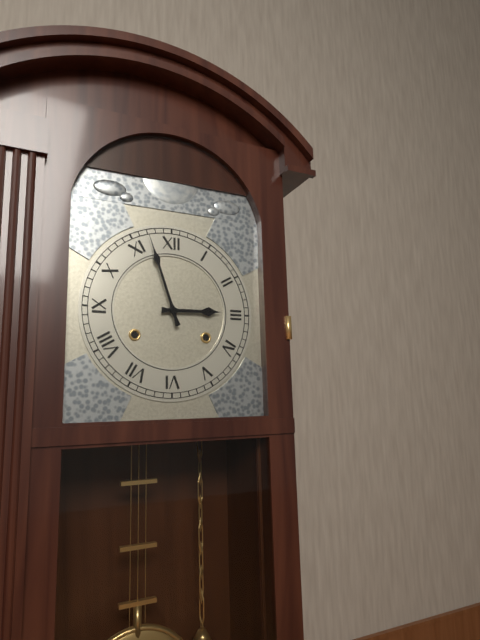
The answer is **2:57**
